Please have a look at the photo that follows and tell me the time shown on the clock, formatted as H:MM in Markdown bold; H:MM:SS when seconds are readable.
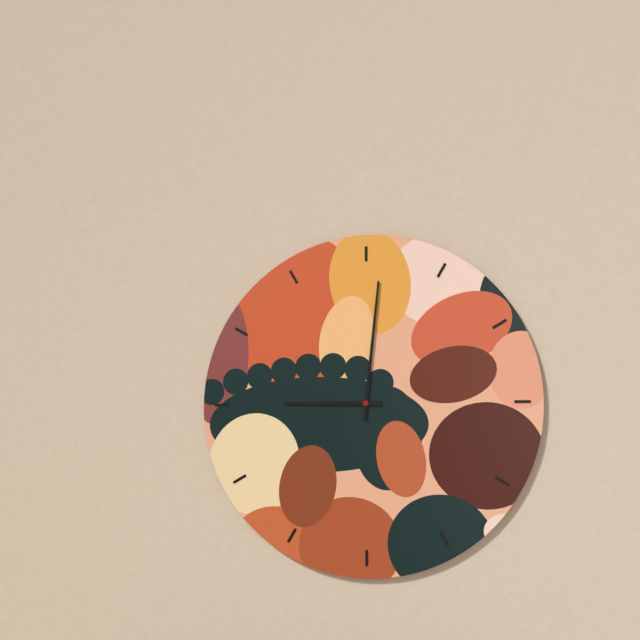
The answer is **9:01**
